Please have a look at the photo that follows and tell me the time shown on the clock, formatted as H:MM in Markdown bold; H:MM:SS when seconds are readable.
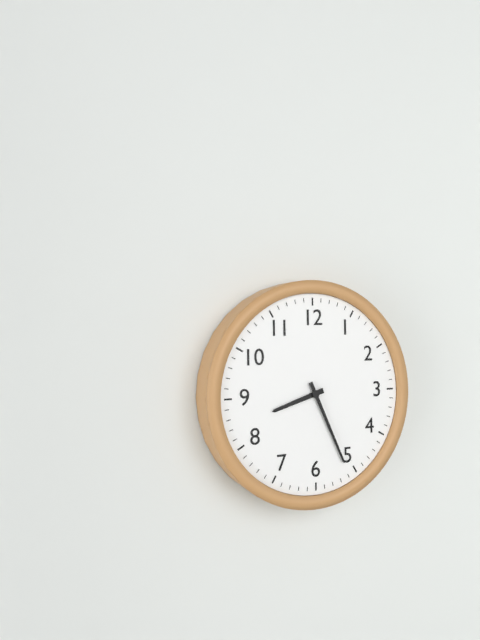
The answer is **8:26**
